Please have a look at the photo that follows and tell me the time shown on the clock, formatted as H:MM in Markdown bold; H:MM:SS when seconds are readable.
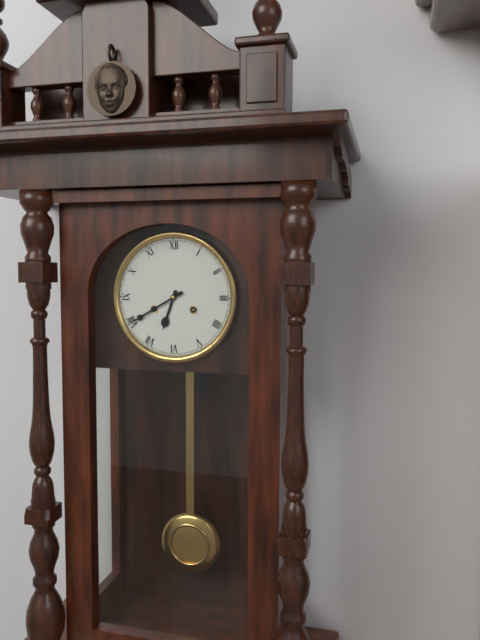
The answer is **6:40**
